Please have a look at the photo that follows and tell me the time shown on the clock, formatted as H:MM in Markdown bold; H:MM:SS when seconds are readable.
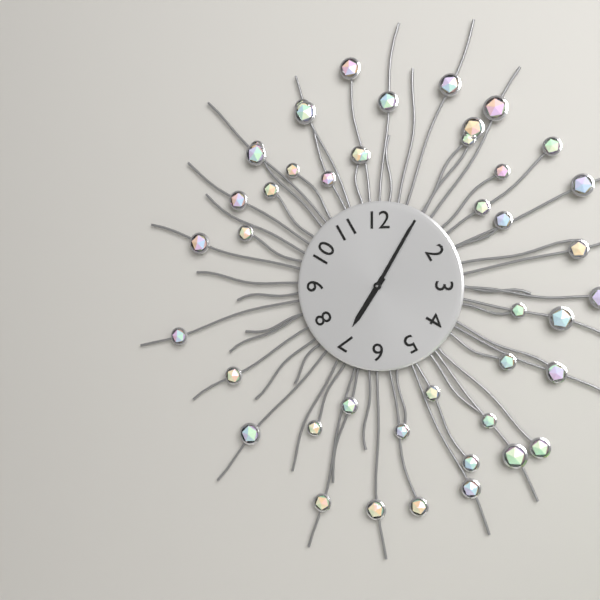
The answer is **7:05**
